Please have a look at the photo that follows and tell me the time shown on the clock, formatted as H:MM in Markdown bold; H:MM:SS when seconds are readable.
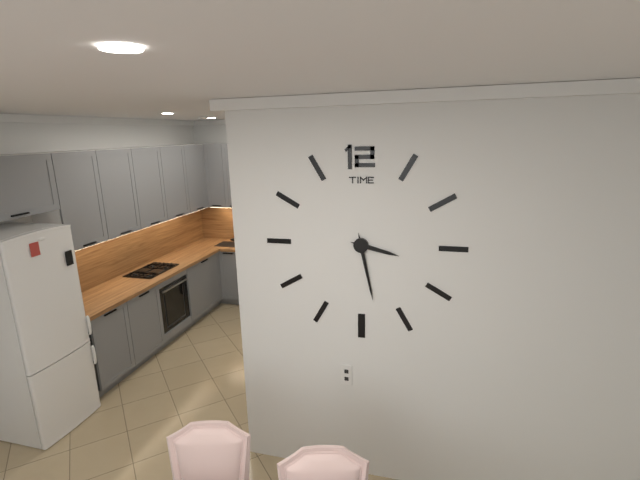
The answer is **3:28**
